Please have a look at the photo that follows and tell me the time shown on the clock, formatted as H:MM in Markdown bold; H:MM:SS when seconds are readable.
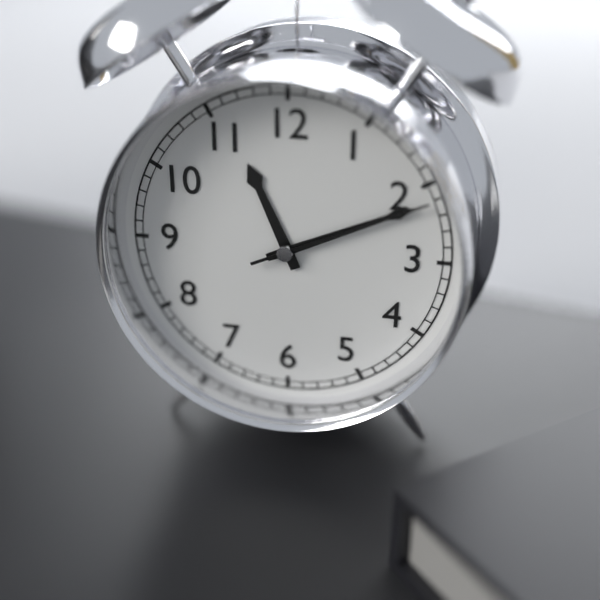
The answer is **11:11:11**
